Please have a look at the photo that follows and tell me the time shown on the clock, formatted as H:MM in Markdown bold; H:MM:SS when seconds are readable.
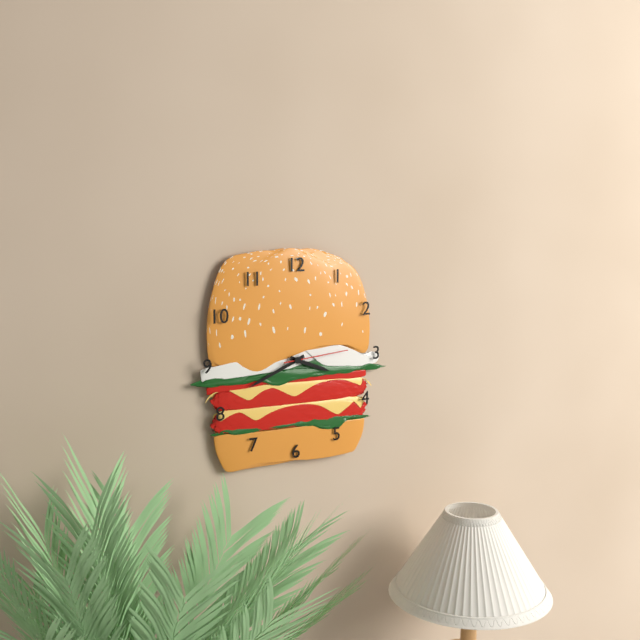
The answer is **3:41:14**
